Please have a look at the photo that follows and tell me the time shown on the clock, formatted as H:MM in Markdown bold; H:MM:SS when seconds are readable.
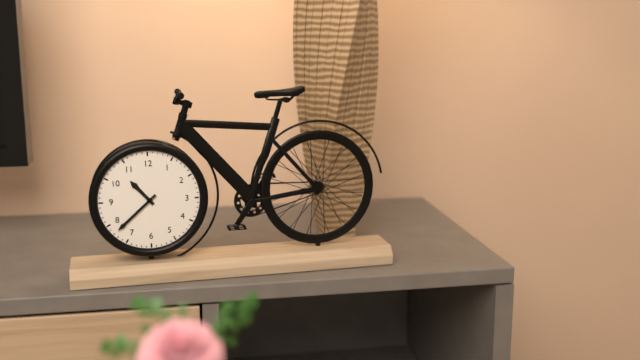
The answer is **10:38**
